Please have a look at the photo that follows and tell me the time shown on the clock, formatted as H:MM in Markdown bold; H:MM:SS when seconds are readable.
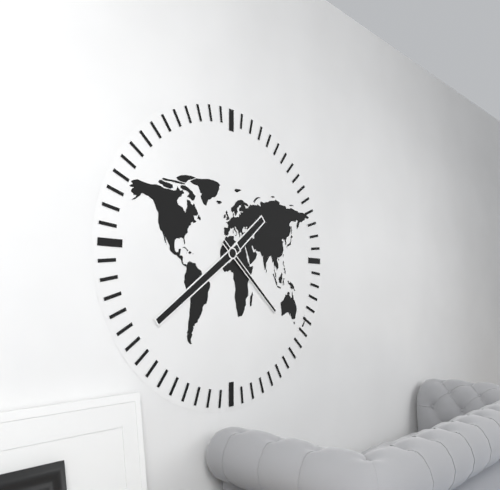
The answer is **1:39:22**
